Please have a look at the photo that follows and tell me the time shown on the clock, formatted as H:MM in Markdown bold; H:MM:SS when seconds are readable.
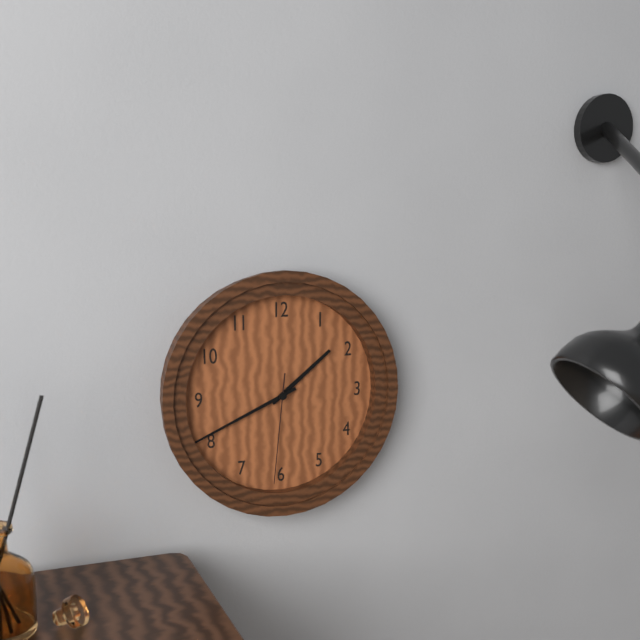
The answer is **1:41:31**
